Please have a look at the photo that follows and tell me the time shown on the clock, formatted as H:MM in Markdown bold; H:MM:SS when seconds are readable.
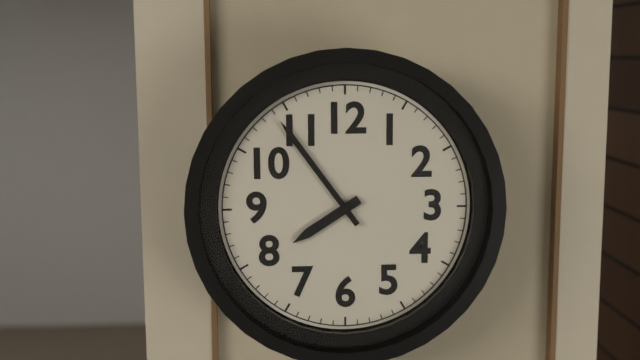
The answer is **7:54**
